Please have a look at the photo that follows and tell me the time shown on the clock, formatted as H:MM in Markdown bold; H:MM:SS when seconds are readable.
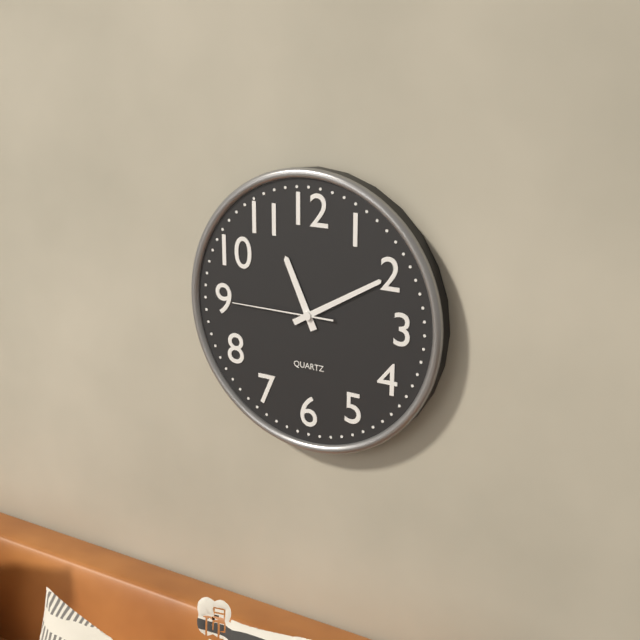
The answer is **11:10:45**
